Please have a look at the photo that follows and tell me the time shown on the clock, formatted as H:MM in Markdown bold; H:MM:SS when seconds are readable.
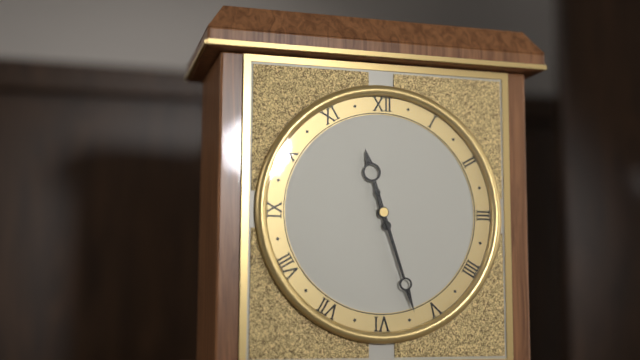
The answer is **11:27**
